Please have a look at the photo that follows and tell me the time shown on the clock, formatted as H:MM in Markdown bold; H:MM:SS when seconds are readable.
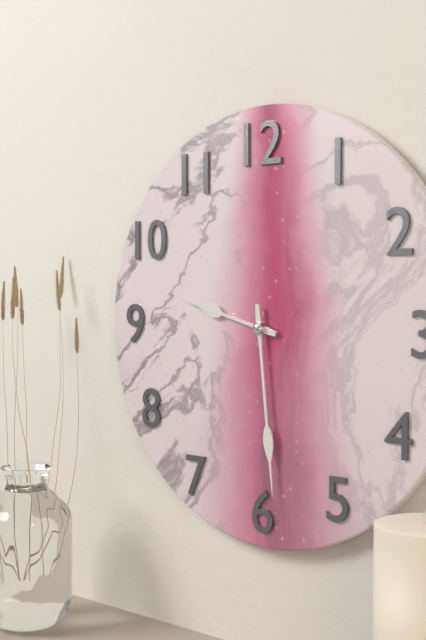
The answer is **9:29**
